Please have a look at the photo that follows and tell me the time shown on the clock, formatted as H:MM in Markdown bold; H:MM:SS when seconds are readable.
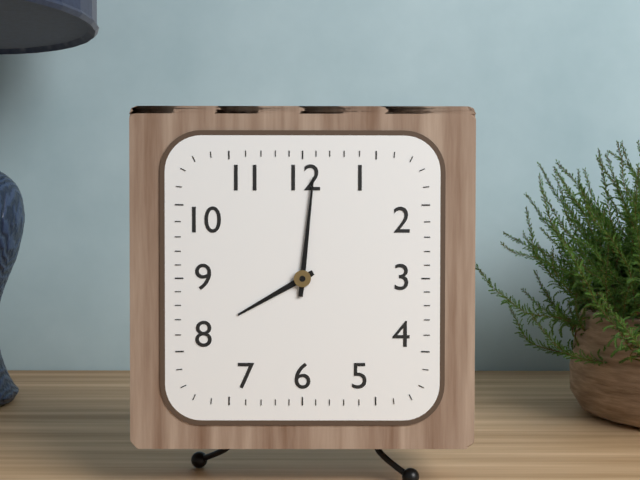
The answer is **8:01**
